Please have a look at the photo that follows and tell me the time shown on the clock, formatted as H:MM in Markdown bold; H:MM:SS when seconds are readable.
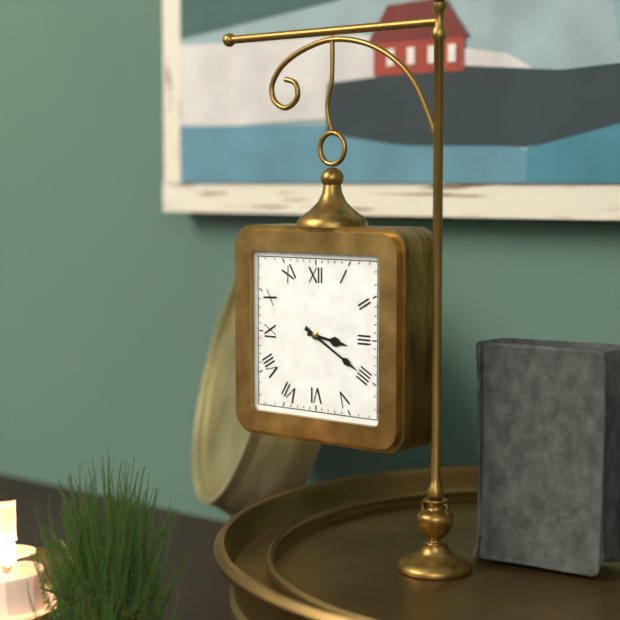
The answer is **3:20**
